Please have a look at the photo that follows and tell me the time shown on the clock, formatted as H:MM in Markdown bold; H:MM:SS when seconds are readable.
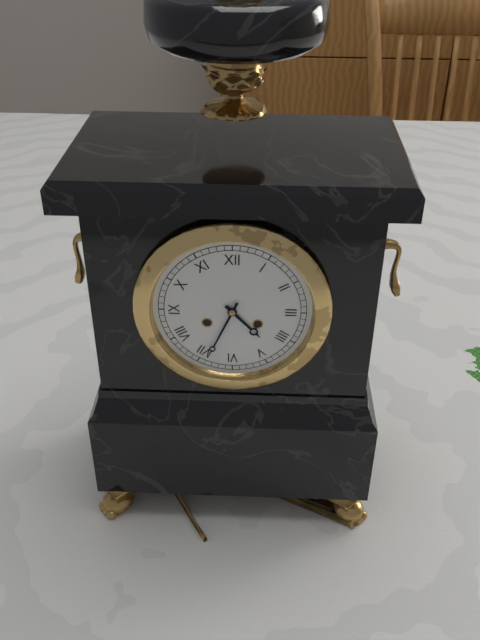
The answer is **4:34**
